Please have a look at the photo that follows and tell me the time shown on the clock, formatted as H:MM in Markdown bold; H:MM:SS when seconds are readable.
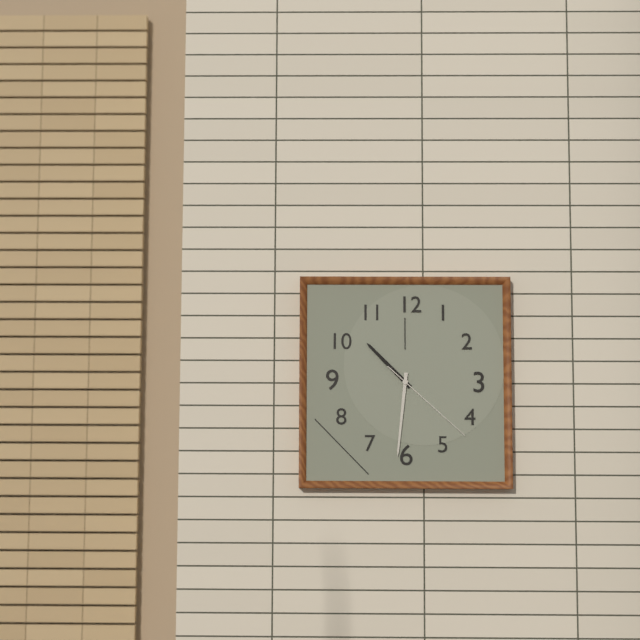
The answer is **10:31:22**
